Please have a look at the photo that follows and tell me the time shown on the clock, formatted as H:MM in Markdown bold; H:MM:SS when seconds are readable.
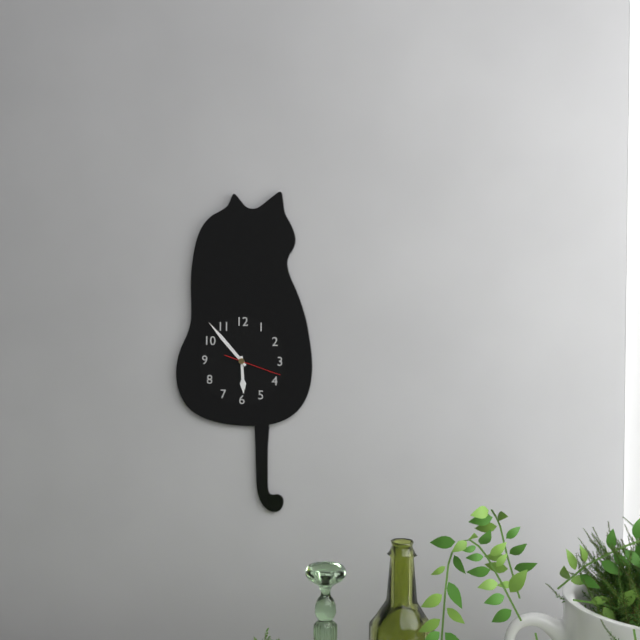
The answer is **5:53:18**
